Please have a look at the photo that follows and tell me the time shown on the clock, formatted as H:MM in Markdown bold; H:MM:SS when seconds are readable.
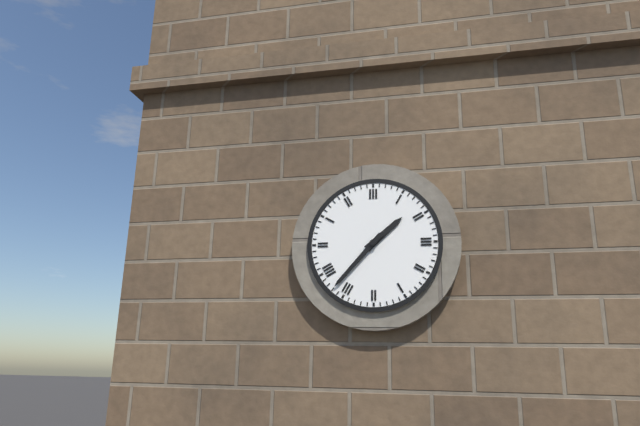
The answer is **1:37**
